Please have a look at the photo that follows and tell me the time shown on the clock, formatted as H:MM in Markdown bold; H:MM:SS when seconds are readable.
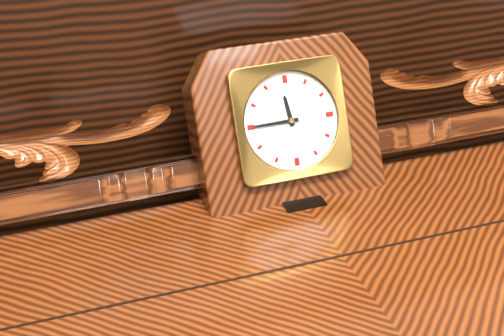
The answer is **11:45**
